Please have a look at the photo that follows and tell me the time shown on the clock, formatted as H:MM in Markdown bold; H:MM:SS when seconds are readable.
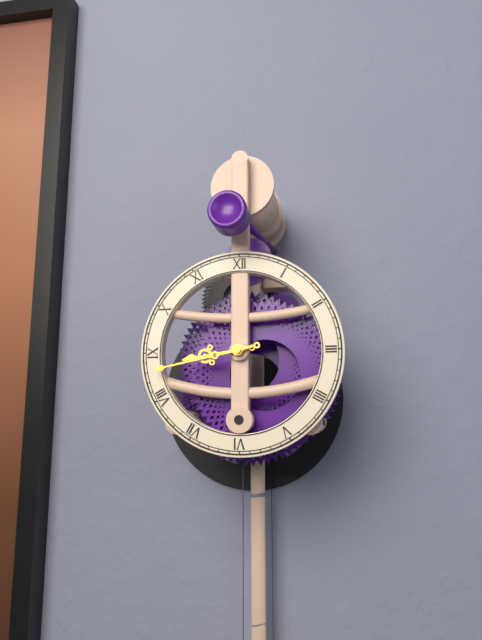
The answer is **8:43**
